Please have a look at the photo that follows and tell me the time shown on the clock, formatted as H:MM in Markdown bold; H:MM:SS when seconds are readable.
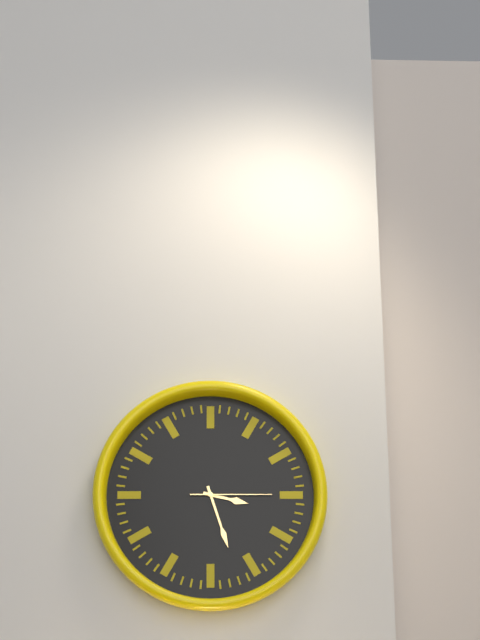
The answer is **3:27:15**
